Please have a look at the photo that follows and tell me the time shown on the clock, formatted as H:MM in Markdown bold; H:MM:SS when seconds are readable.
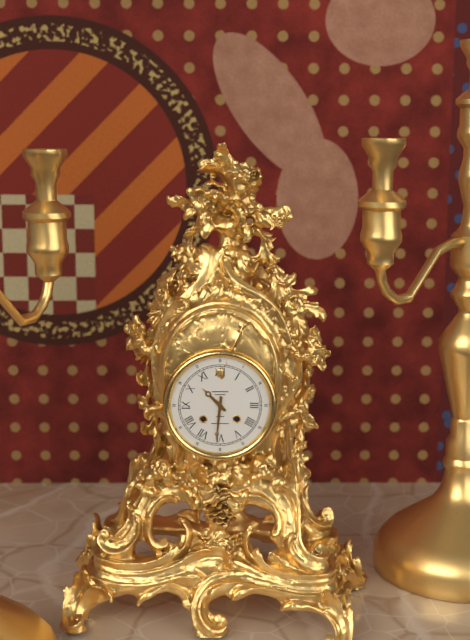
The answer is **10:31**
